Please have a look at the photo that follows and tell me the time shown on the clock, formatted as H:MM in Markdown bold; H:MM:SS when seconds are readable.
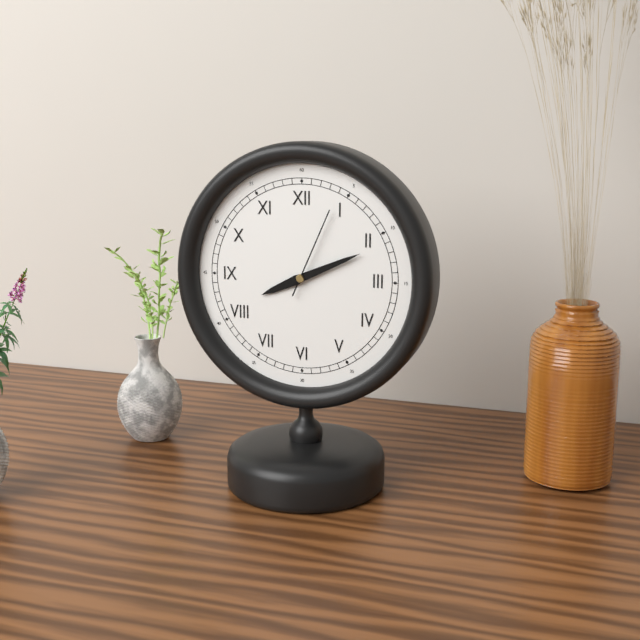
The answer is **8:11:04**
